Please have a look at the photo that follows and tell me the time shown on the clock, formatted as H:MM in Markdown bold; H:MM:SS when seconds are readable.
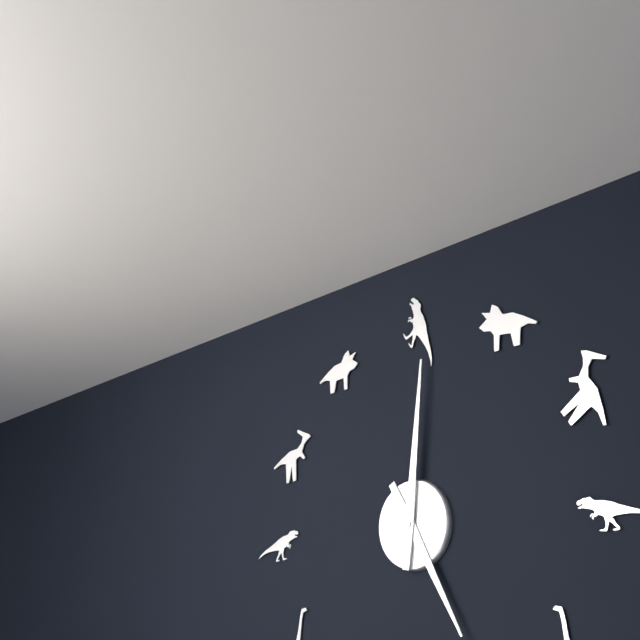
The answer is **5:01**
